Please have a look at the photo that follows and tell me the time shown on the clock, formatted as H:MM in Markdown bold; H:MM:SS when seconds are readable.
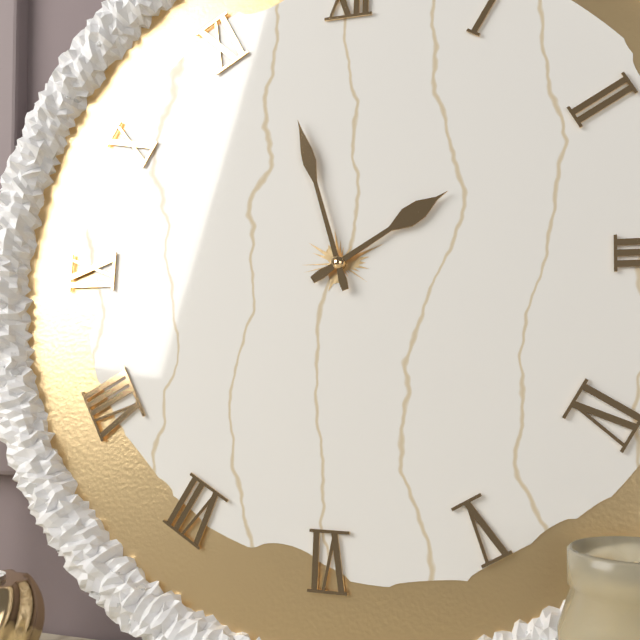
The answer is **1:57**
